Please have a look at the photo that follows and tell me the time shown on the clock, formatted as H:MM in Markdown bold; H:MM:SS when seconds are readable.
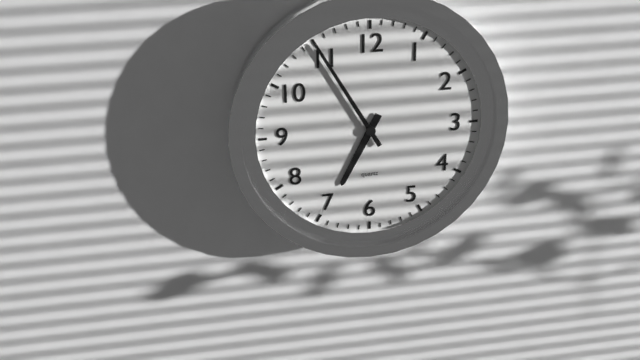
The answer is **6:55**
